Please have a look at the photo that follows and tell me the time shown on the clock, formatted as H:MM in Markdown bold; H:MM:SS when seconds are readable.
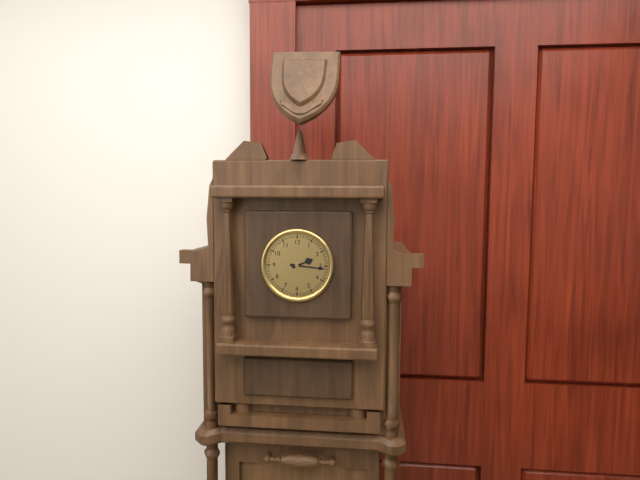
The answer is **2:16**
